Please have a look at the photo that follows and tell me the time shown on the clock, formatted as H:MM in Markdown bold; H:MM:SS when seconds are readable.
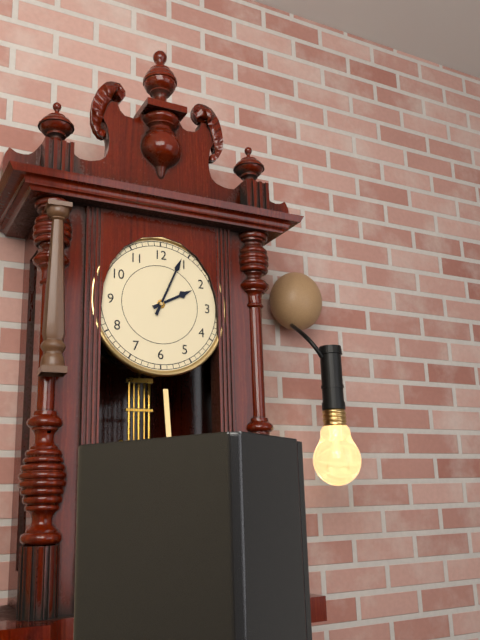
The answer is **2:04**
